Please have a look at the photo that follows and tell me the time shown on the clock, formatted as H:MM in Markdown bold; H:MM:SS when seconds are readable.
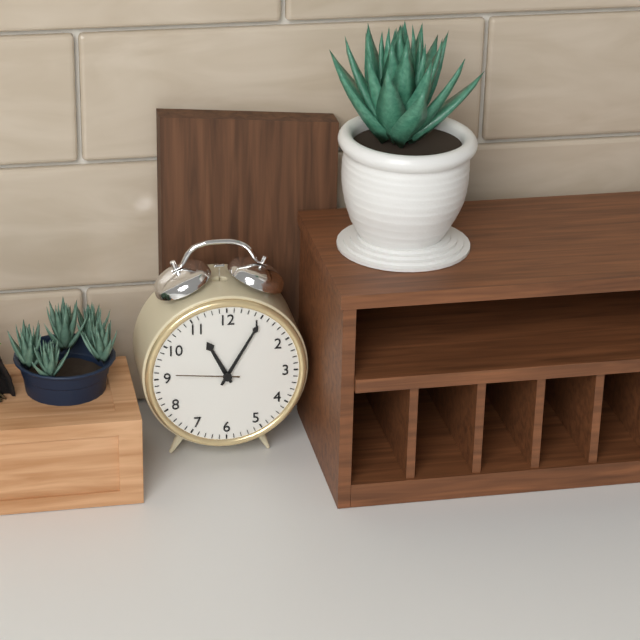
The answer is **11:05:46**
